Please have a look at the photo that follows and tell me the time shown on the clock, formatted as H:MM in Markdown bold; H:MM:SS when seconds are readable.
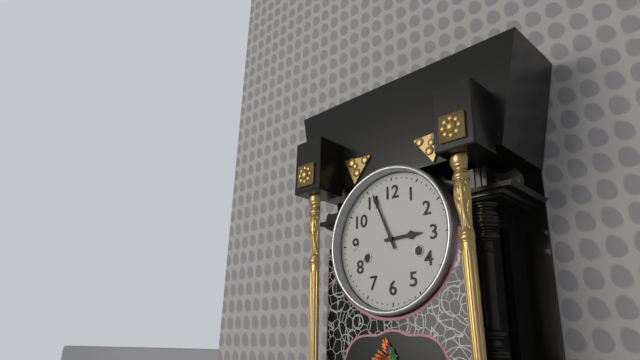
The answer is **2:56**
